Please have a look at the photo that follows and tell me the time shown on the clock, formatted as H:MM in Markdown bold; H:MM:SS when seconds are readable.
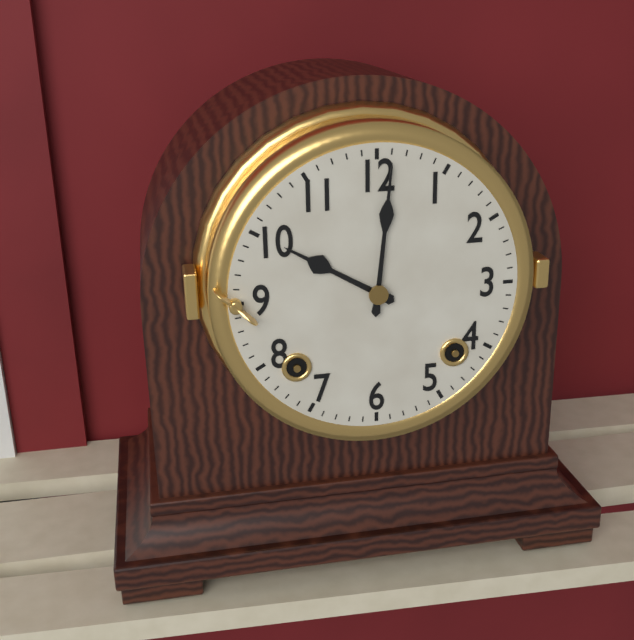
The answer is **10:01**
